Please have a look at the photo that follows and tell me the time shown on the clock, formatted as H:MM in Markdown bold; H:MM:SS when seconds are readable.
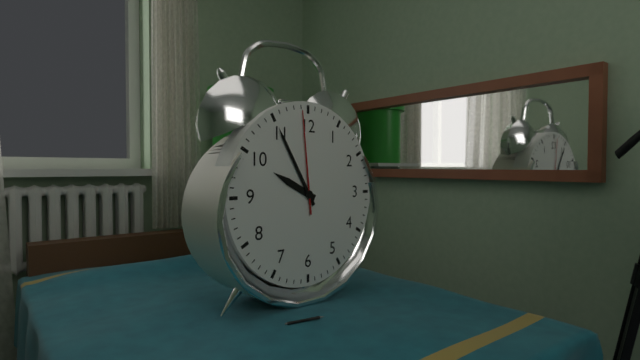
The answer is **9:55:59**
